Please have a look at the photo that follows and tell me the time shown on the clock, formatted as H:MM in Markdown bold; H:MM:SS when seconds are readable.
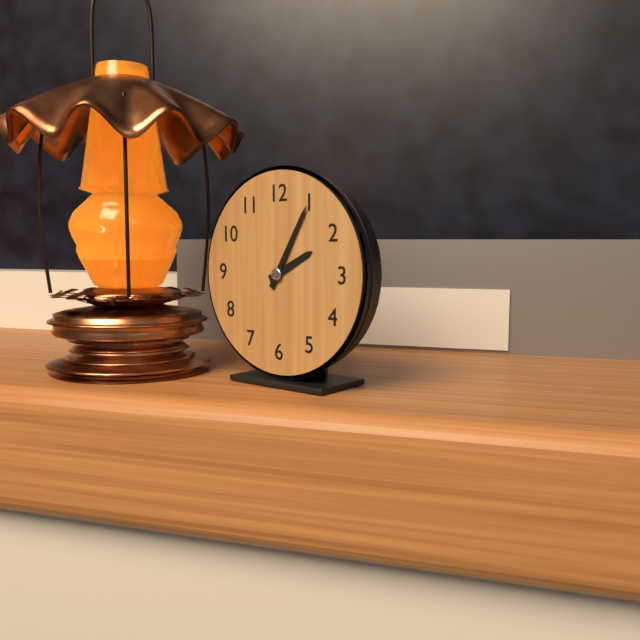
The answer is **2:05**
